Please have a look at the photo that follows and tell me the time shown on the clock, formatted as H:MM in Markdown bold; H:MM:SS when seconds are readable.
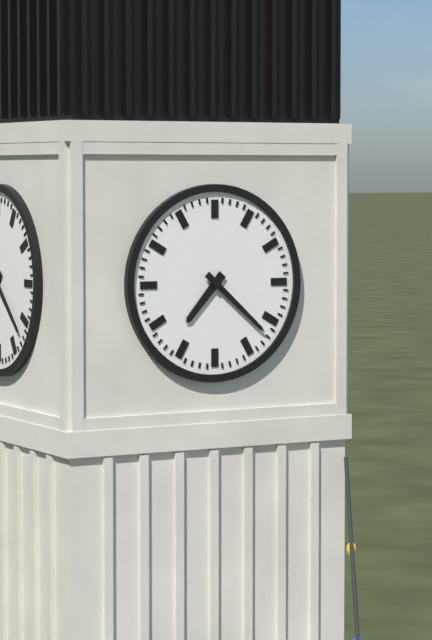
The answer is **7:22**
